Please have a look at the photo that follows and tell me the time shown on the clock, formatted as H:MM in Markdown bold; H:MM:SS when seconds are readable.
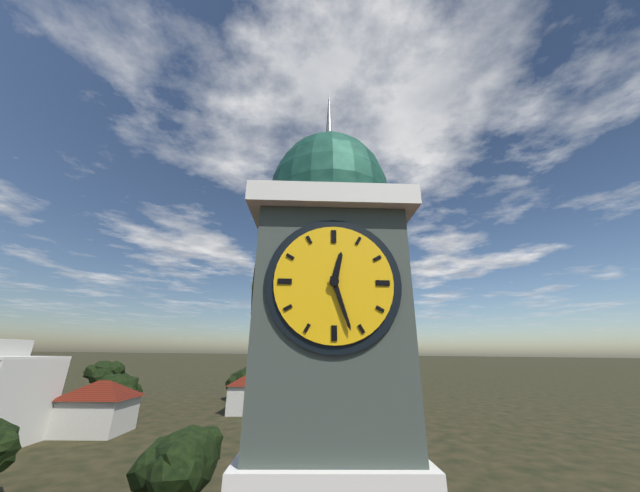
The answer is **12:27**
